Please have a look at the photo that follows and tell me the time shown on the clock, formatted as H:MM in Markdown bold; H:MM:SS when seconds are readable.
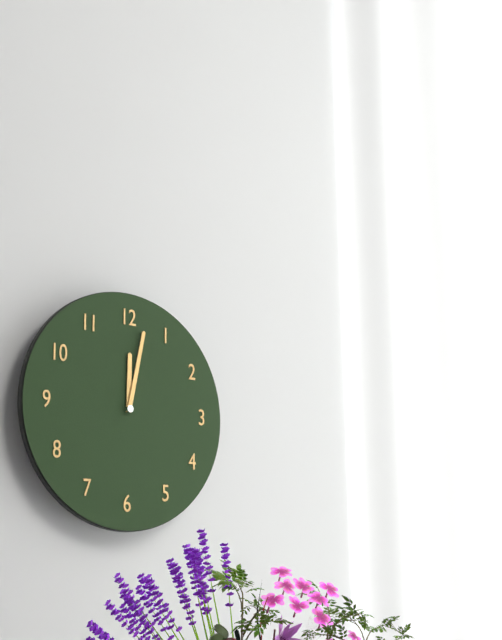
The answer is **12:02**
